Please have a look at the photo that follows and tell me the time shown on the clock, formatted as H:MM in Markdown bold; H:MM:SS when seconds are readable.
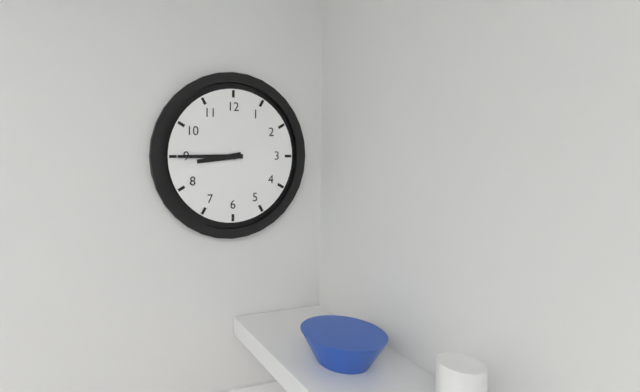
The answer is **8:45**
